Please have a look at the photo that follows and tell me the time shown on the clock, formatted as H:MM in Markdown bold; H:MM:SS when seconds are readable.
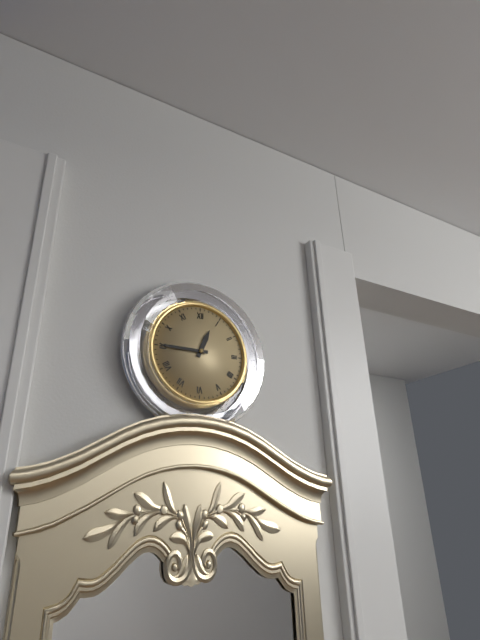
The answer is **12:45**
